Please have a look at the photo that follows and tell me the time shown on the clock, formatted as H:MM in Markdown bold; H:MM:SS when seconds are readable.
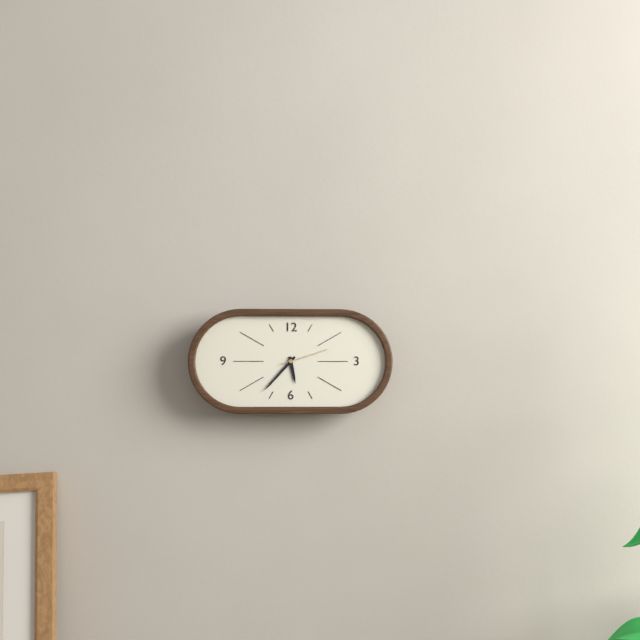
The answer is **5:37**
